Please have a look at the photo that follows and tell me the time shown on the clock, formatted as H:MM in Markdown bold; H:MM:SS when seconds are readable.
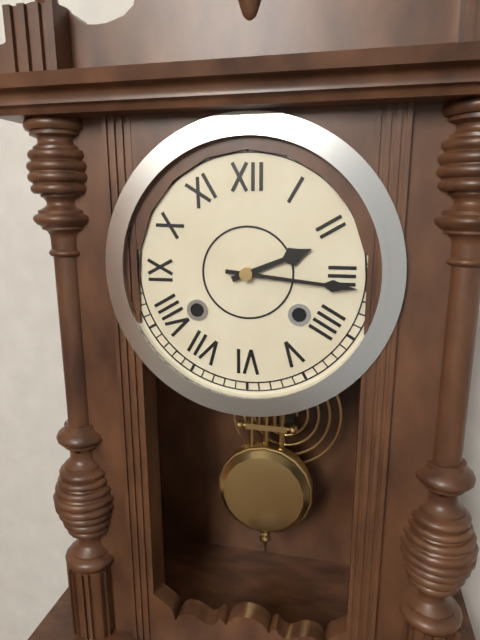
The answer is **2:16**
